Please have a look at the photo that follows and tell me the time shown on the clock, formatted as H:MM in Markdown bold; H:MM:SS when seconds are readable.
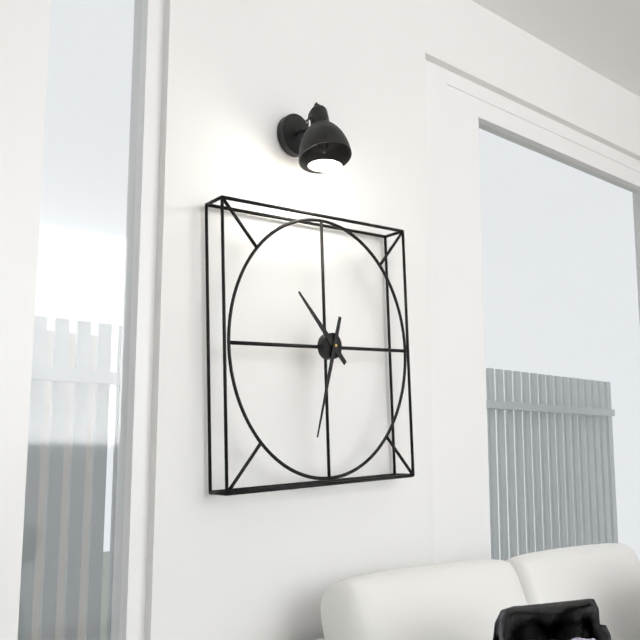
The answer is **10:33**
